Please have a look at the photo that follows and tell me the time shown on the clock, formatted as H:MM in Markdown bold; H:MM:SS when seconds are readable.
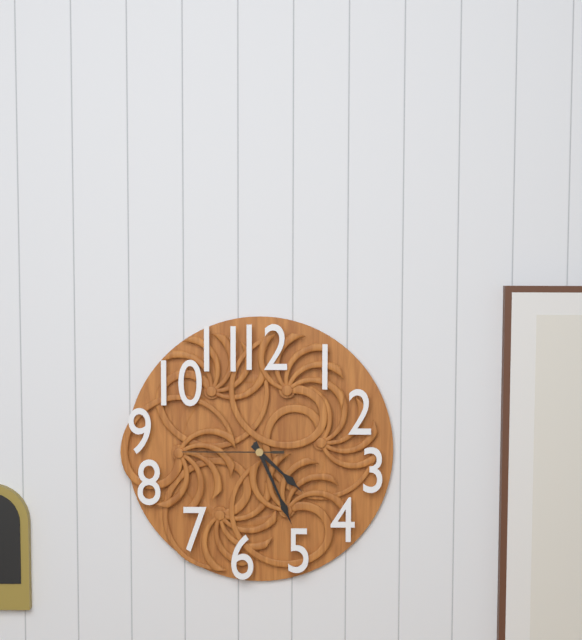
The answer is **4:26:45**
